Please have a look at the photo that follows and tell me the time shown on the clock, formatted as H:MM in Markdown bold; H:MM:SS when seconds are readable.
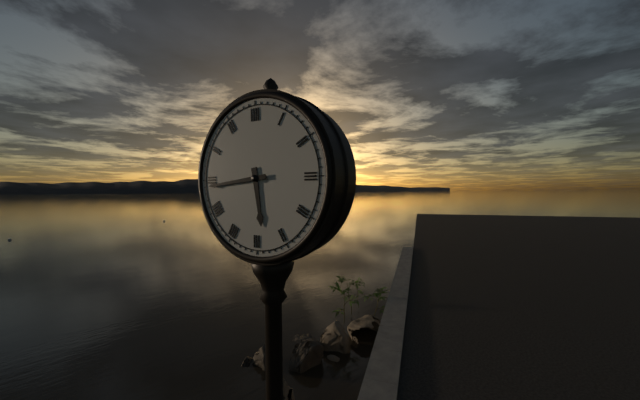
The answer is **5:44**
